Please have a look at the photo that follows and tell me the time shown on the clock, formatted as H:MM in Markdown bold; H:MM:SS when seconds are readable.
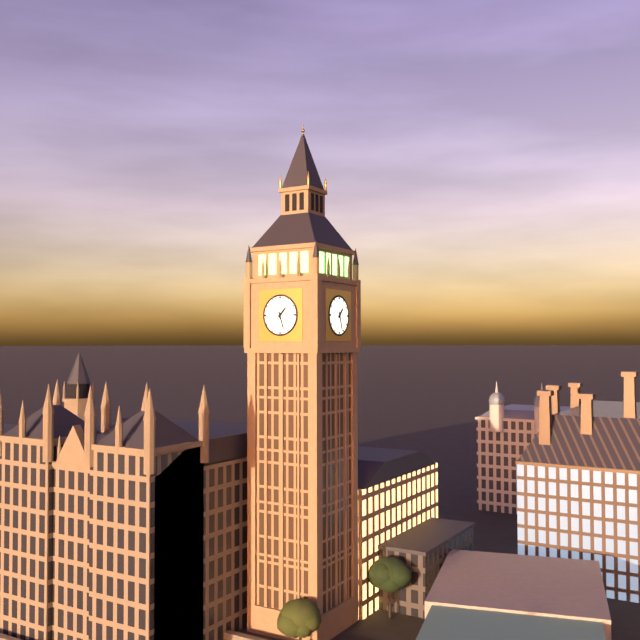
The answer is **1:27**
